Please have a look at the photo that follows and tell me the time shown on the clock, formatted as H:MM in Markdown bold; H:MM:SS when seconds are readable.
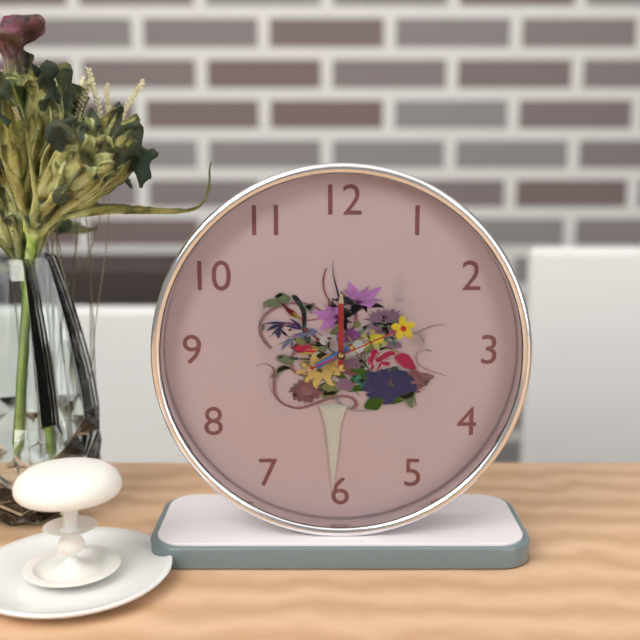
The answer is **8:00:11**
